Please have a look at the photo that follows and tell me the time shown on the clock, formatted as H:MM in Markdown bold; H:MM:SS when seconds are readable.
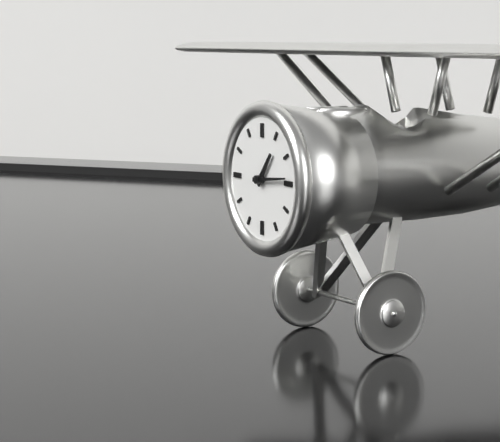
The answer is **1:14**
